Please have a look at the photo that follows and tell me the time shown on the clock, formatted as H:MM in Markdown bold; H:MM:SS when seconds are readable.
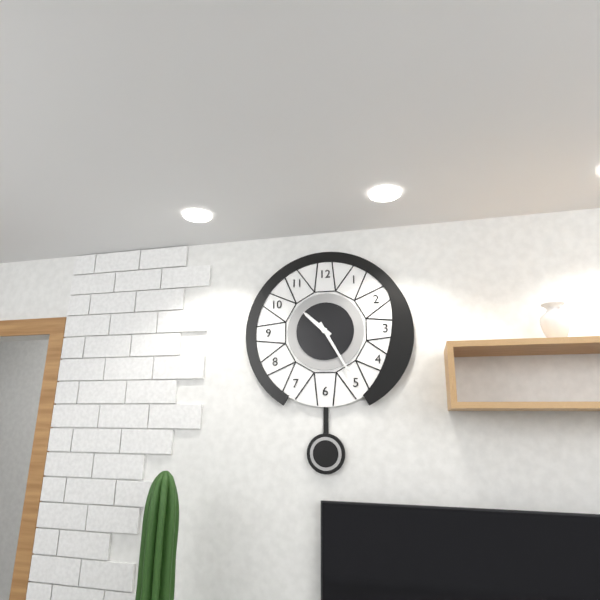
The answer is **10:25**
